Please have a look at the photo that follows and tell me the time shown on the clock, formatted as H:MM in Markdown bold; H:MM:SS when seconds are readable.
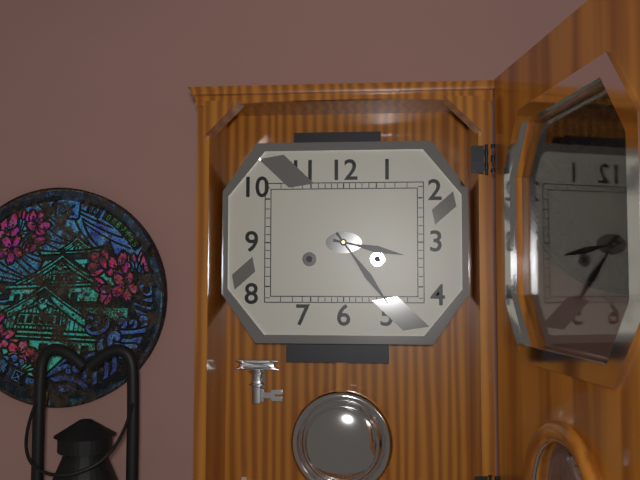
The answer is **3:24**
